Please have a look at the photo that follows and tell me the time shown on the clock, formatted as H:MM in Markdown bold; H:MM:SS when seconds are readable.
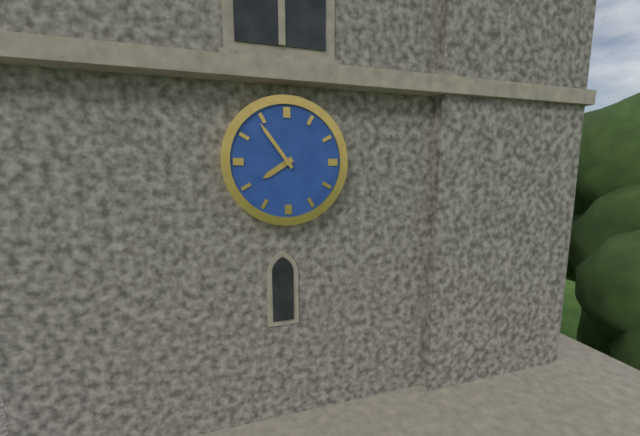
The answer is **7:54**
